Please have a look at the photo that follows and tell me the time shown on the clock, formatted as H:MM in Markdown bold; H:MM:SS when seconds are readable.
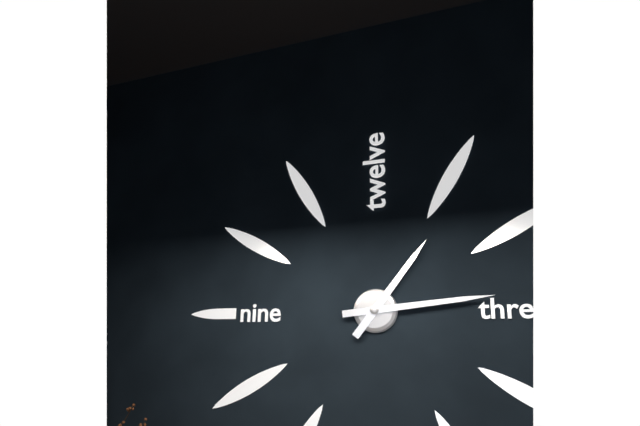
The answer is **1:14**
